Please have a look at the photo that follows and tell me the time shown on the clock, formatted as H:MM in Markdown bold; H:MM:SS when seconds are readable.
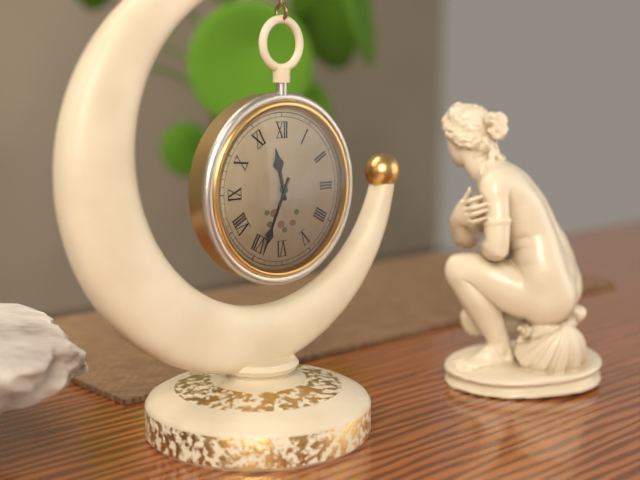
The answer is **11:34**
